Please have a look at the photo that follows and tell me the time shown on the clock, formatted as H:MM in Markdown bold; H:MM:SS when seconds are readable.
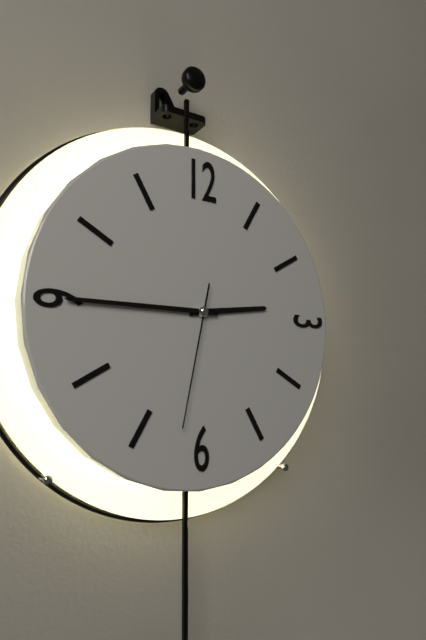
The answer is **2:45:32**
